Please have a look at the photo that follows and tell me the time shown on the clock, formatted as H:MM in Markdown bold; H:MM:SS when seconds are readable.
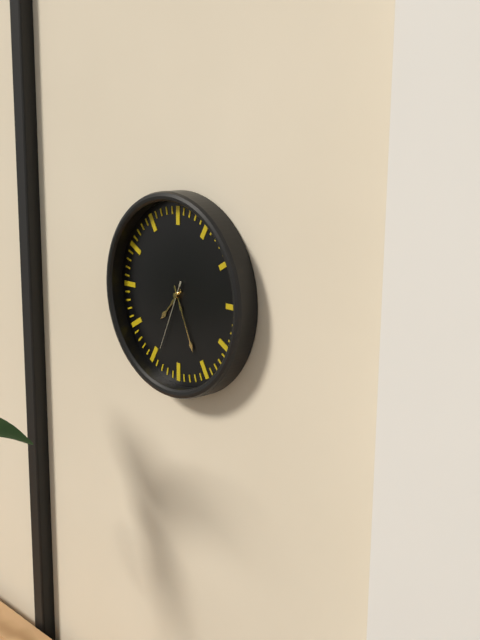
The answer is **7:26:34**
